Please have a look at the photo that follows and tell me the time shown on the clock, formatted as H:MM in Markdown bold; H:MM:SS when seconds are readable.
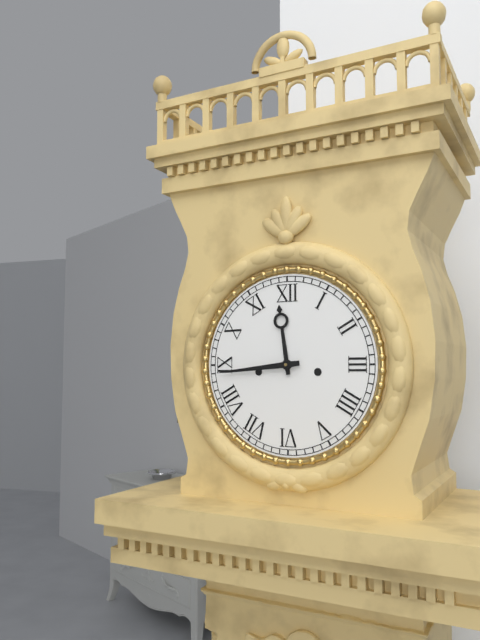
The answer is **11:44**
